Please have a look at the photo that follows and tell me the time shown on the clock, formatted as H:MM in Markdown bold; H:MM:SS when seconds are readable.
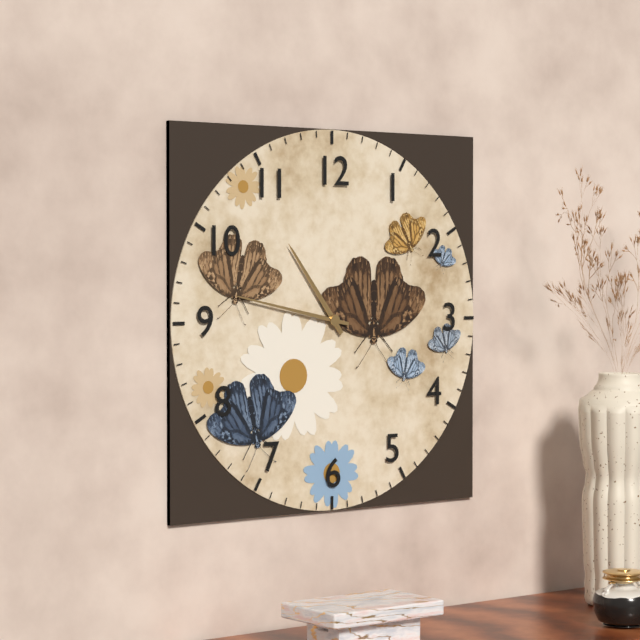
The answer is **10:47**
